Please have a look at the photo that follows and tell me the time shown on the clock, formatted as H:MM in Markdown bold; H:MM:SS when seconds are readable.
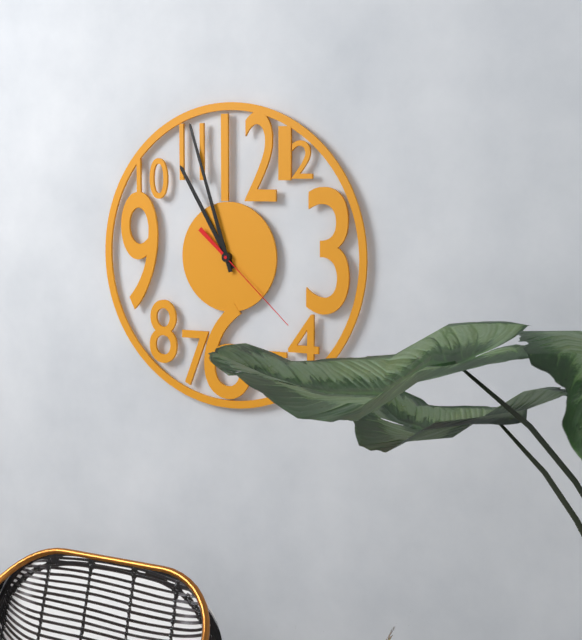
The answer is **10:57:22**
